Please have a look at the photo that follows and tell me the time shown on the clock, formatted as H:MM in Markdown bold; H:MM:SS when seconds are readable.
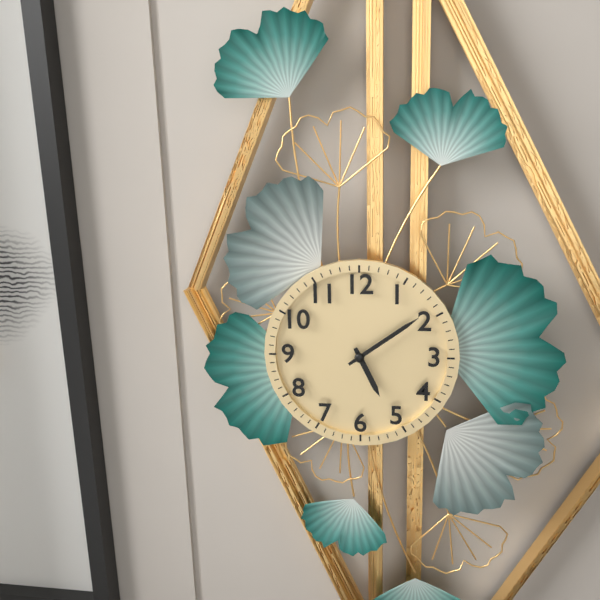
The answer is **5:09**
